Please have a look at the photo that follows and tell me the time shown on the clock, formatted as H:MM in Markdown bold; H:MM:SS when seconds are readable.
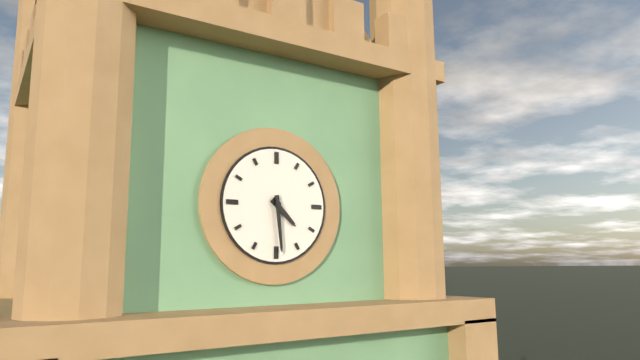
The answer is **4:29**
